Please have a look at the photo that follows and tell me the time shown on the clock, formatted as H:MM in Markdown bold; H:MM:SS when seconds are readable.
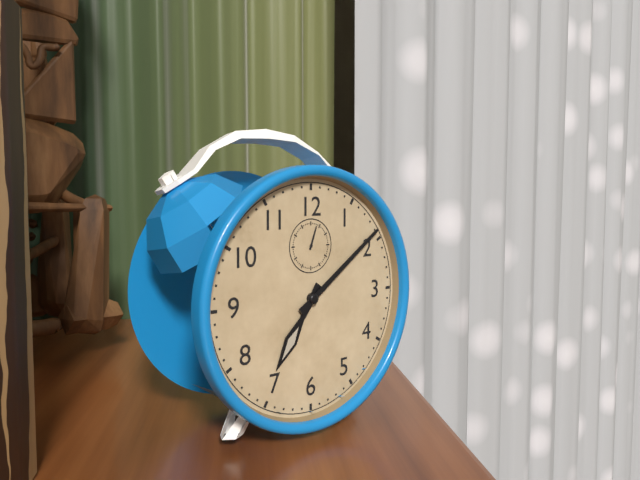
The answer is **7:09**
